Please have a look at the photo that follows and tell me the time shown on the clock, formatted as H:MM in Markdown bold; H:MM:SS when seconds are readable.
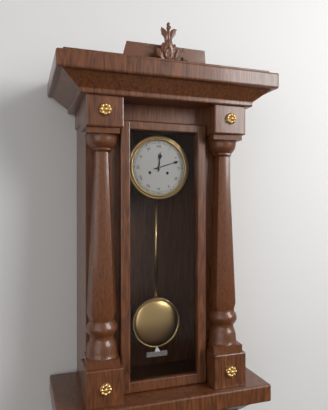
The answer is **12:12**
